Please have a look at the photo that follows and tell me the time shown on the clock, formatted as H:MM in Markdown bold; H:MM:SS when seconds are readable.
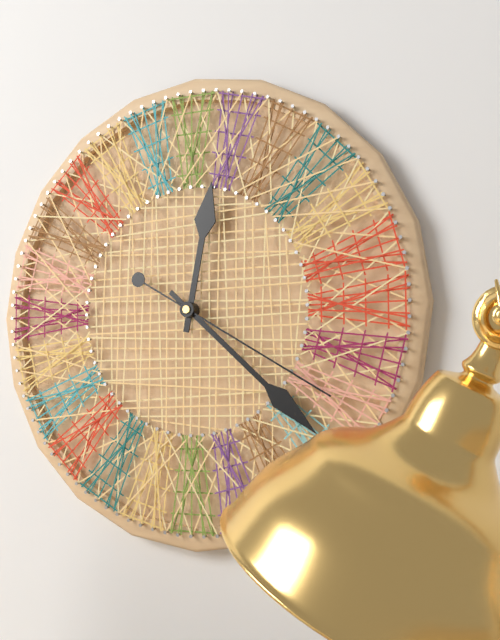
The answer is **12:22:20**
